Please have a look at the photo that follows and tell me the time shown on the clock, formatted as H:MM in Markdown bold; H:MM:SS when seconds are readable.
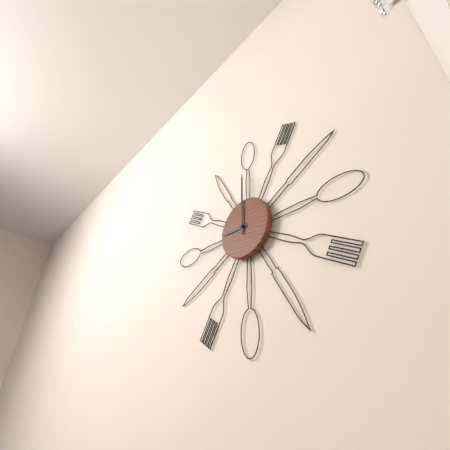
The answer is **9:00**
